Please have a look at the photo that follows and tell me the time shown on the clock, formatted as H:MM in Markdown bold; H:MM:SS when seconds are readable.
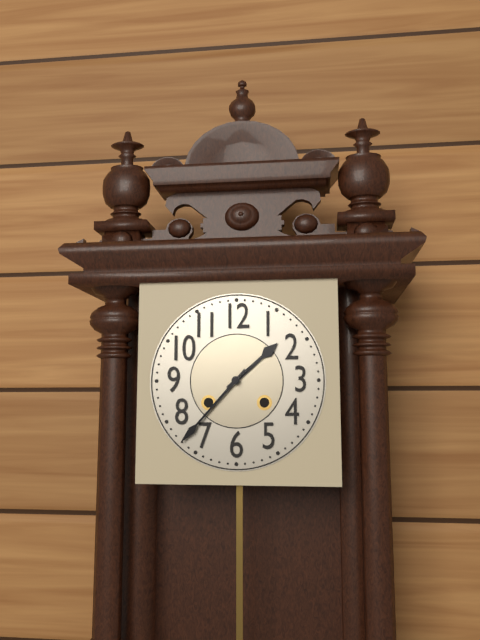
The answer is **1:37**
